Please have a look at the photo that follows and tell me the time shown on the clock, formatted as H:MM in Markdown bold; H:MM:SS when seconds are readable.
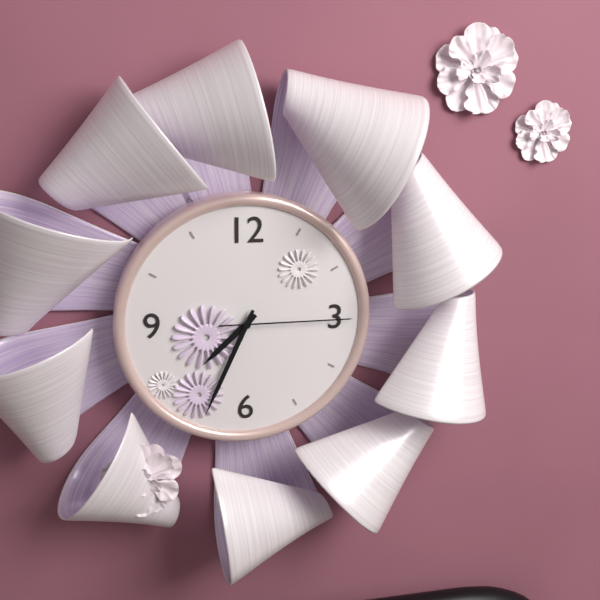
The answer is **7:34:15**
